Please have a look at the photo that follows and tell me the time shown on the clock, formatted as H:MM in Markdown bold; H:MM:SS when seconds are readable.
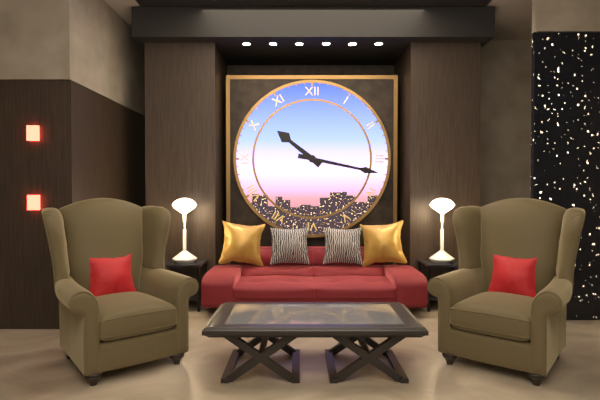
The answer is **10:17**
